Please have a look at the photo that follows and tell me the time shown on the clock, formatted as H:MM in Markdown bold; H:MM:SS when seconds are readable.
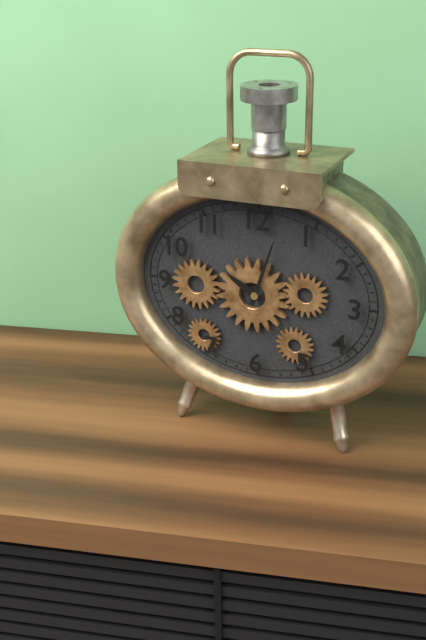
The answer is **10:03**
